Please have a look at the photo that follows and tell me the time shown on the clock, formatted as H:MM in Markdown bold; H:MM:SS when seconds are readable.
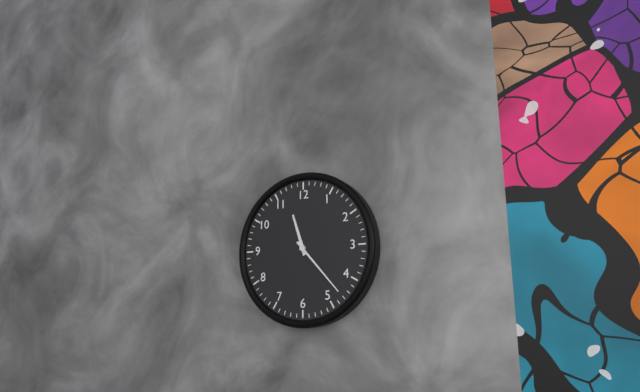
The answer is **11:23**
